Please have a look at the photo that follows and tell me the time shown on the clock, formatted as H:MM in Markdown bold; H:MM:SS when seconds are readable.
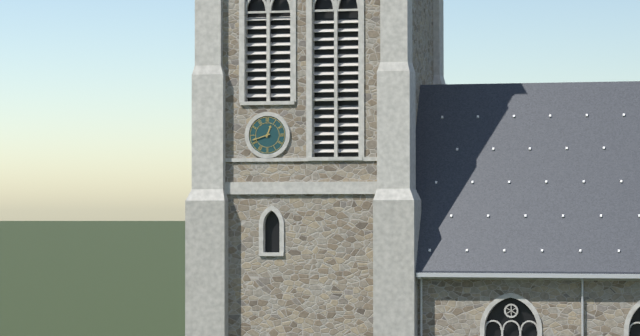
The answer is **12:42**
